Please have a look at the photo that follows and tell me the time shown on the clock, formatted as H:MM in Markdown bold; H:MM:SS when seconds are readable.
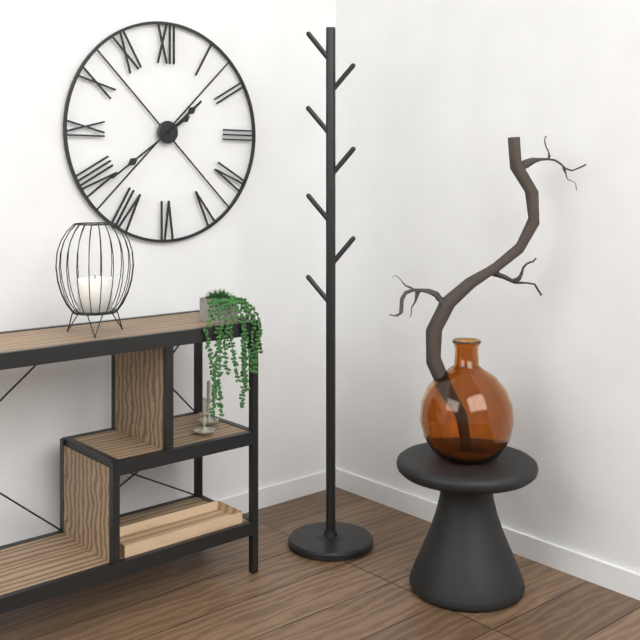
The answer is **1:39**
